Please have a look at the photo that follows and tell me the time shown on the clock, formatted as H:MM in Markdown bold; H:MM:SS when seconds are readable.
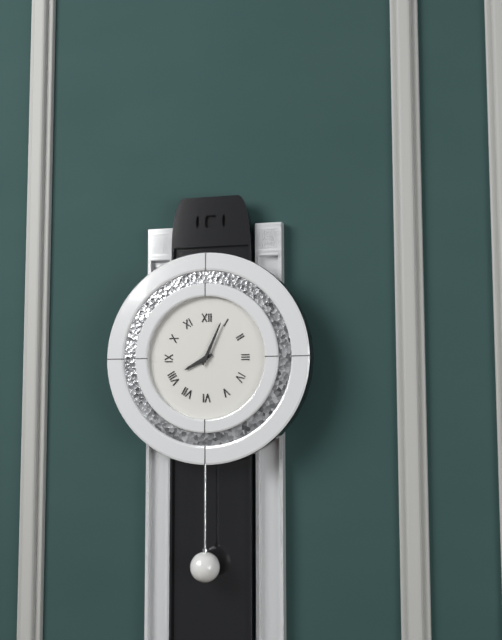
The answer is **8:04**
